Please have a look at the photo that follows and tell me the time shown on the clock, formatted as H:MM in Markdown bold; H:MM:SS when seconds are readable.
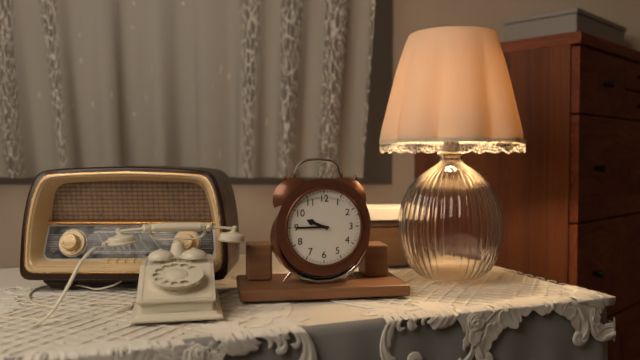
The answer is **9:45**
